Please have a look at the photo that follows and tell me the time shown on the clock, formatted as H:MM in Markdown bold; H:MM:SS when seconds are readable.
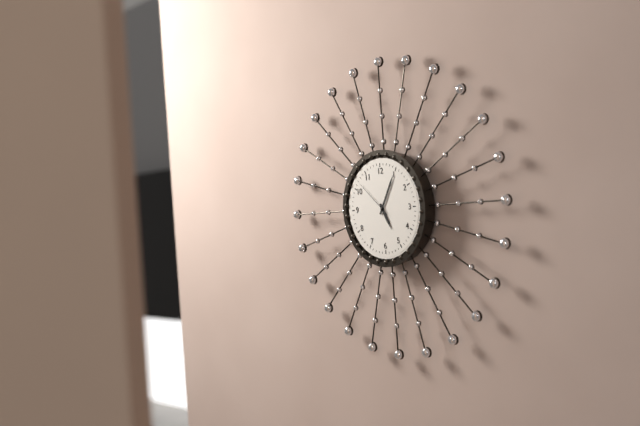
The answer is **5:05**
